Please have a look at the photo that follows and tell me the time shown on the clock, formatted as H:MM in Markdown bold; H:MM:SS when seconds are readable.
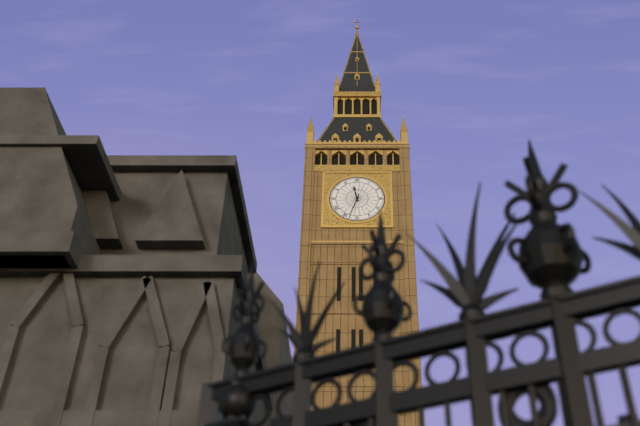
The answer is **11:33**
